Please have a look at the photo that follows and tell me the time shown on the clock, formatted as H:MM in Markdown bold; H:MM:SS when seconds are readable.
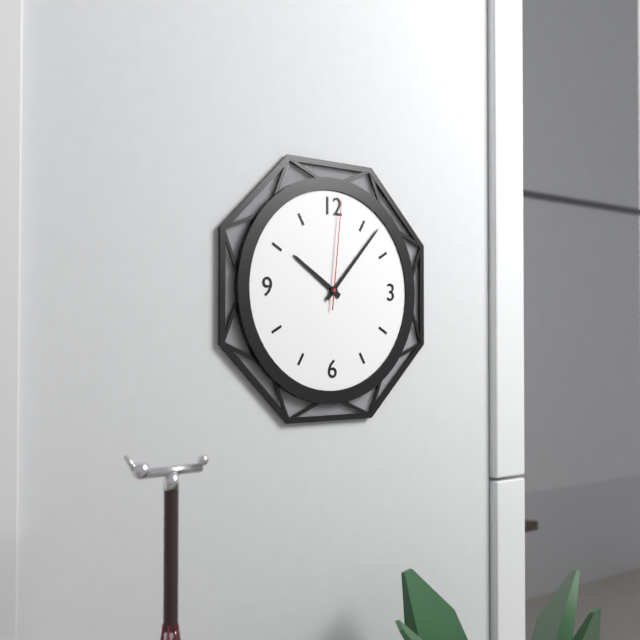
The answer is **10:07:01**
